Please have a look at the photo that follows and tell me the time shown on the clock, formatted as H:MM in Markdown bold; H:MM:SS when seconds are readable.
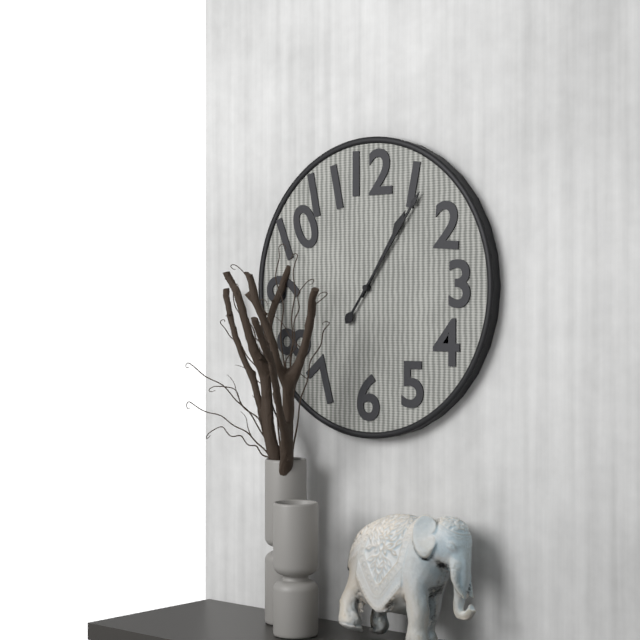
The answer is **1:06**
